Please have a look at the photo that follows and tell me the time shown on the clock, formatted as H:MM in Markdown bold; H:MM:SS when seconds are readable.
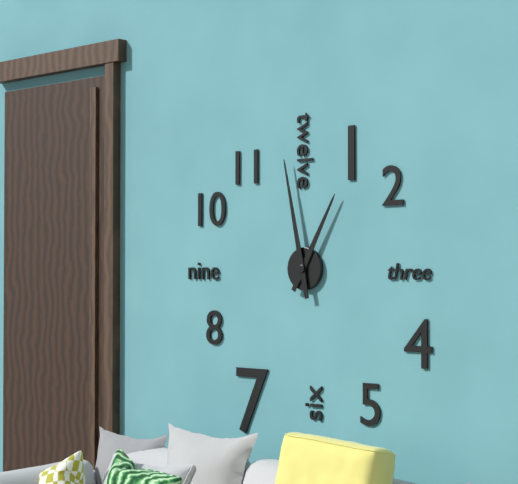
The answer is **12:58**
